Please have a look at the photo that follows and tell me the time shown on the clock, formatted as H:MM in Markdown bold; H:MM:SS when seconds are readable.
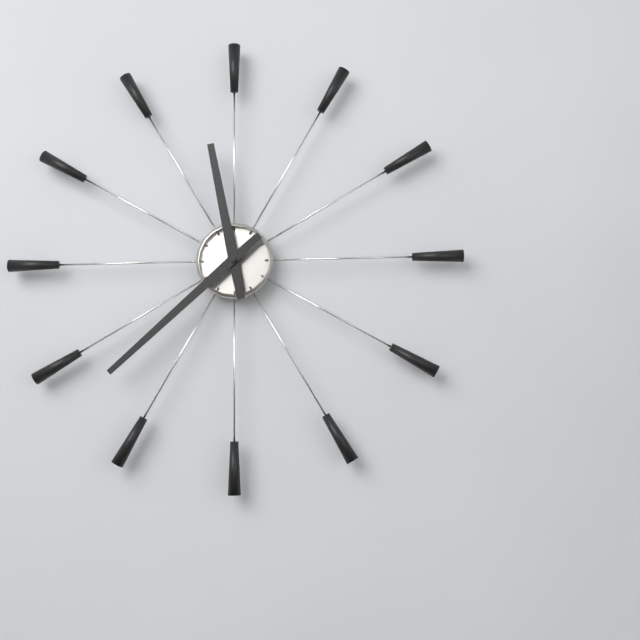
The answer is **11:38**
